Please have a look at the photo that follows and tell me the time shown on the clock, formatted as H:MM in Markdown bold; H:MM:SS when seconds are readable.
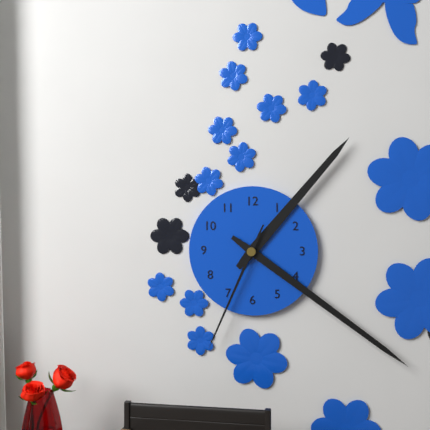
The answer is **1:21:34**
